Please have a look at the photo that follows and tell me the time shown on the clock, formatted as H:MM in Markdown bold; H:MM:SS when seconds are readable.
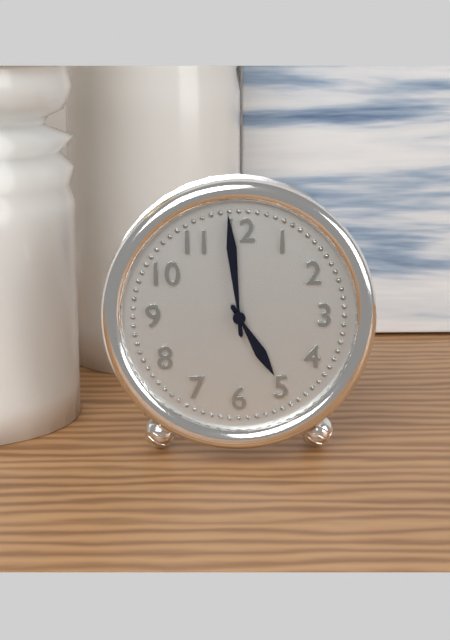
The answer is **4:59**
